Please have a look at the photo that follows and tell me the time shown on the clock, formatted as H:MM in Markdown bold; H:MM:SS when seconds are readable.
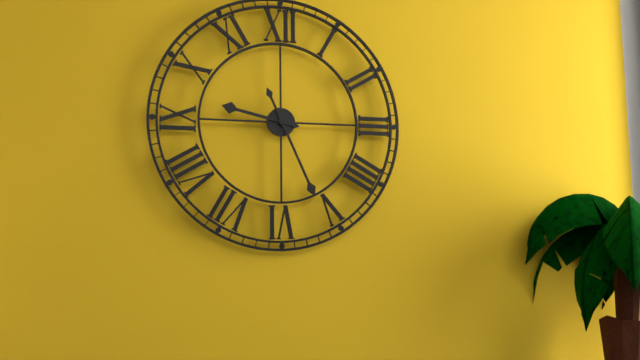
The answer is **9:26**
